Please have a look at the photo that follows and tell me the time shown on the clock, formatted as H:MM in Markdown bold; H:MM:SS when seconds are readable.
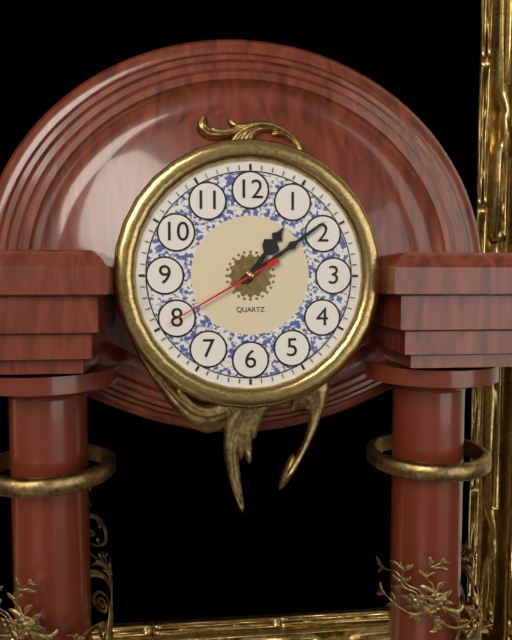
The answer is **1:09:40**
